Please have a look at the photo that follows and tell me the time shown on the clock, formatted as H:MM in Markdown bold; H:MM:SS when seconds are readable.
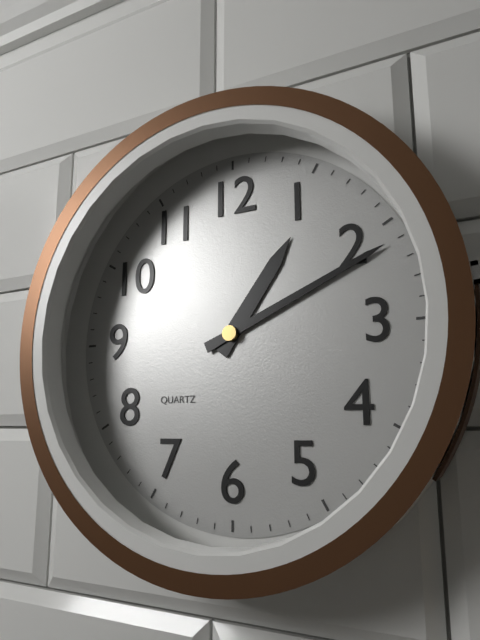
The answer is **1:11**
